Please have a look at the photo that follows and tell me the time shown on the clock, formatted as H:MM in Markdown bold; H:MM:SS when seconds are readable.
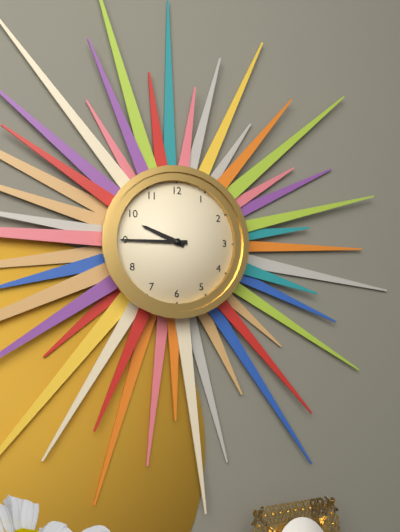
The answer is **9:45**
